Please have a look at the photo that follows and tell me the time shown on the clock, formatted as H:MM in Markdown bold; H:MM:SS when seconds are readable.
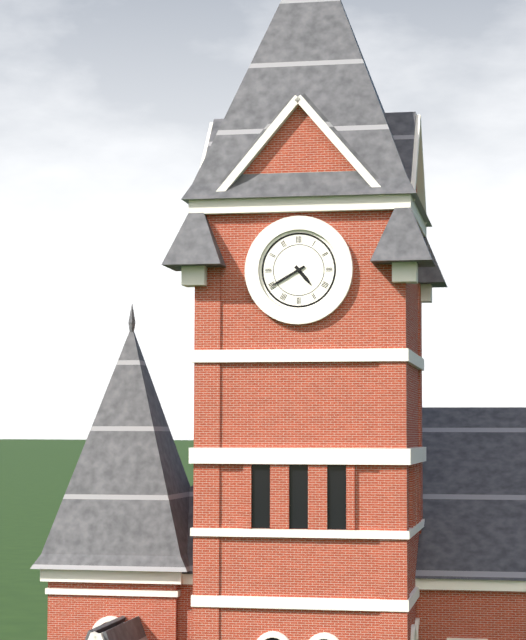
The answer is **4:40**
